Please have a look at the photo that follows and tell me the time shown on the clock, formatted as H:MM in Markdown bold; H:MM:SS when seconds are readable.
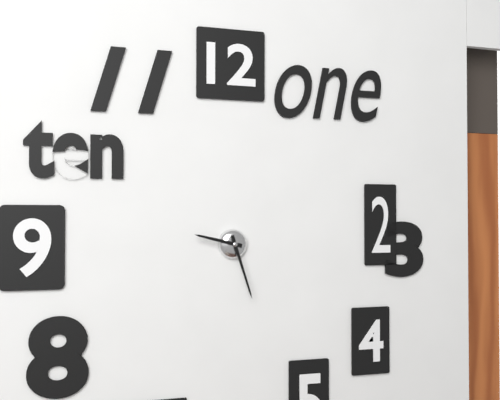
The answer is **9:27**
